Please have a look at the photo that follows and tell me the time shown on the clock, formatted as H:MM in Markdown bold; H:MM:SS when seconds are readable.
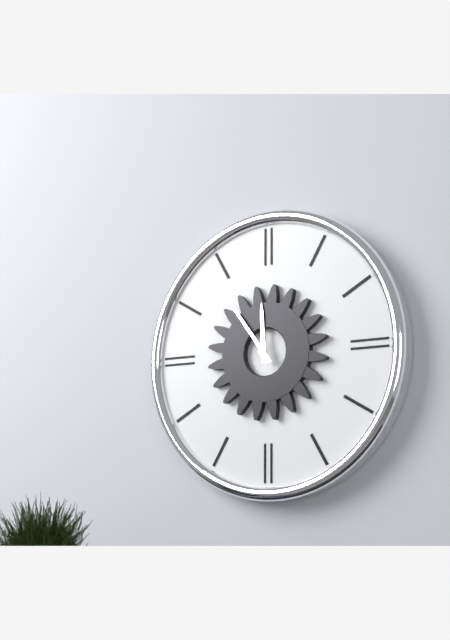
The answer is **11:54**
